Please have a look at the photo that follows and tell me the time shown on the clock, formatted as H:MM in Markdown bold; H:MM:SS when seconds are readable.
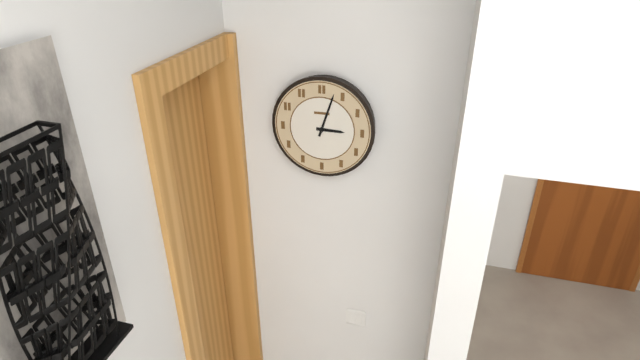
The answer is **3:03**
